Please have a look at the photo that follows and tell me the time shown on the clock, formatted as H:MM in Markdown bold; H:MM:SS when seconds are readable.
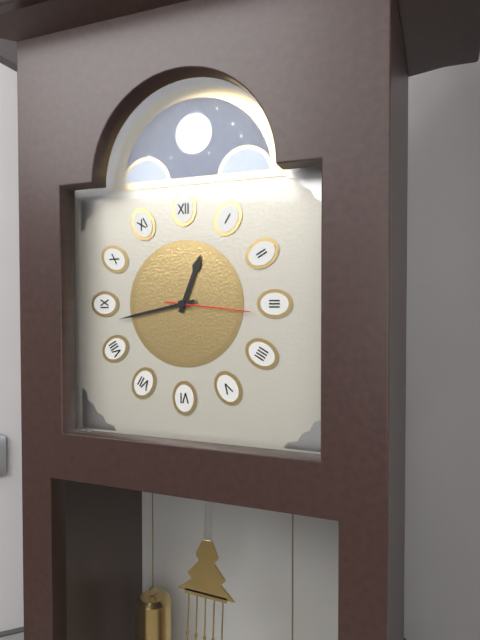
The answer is **12:43:16**
